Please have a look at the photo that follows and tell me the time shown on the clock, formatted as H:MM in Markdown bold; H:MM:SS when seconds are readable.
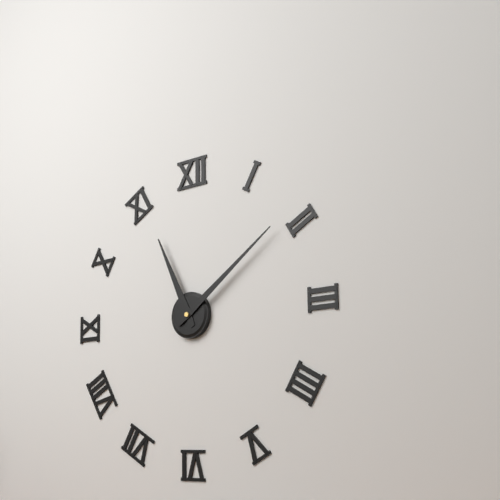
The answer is **11:09**
